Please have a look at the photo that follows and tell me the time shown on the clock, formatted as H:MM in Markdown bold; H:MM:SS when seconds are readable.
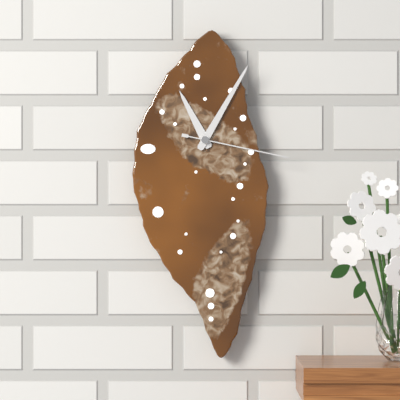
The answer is **11:05:17**
